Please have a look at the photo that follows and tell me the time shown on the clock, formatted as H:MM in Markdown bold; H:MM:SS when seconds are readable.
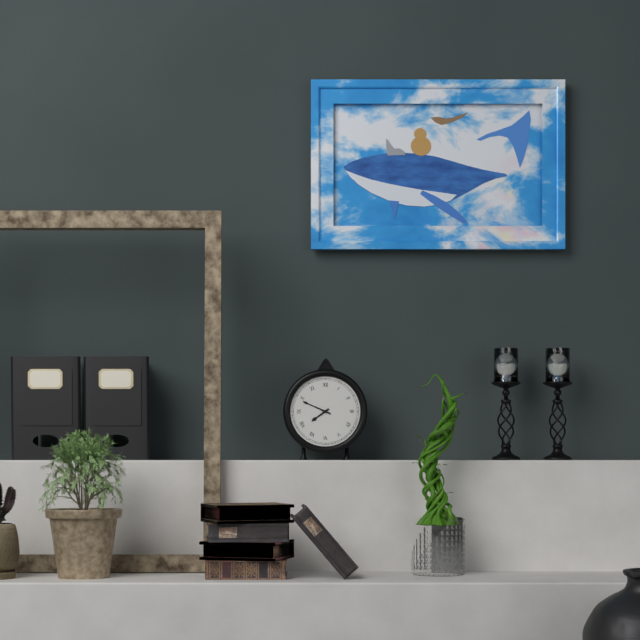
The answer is **7:49**
